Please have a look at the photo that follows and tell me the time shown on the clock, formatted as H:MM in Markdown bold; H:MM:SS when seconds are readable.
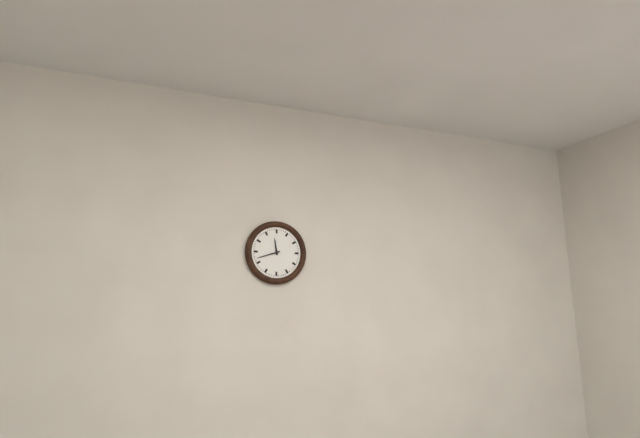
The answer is **11:42**
